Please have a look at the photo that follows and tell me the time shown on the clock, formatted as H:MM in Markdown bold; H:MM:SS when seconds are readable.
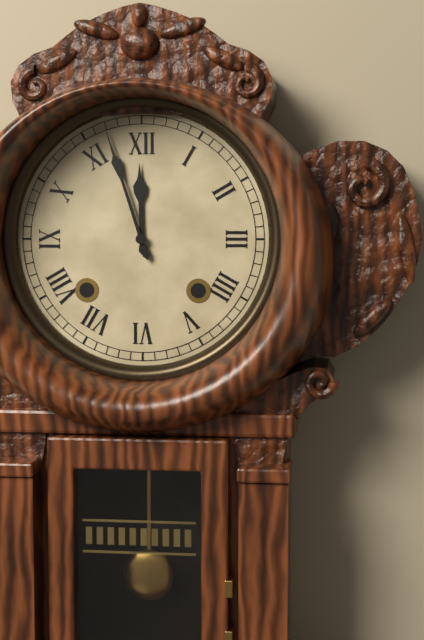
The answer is **11:57**
